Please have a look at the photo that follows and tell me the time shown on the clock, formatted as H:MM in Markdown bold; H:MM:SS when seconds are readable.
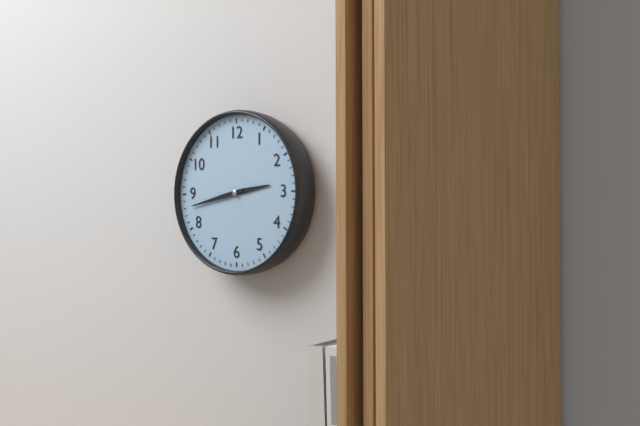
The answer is **2:43**
